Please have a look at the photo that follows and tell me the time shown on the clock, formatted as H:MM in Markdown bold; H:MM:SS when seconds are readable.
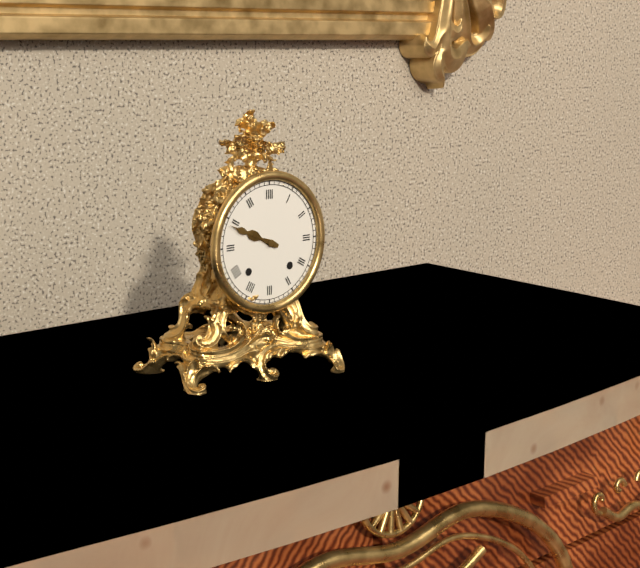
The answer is **9:49**
